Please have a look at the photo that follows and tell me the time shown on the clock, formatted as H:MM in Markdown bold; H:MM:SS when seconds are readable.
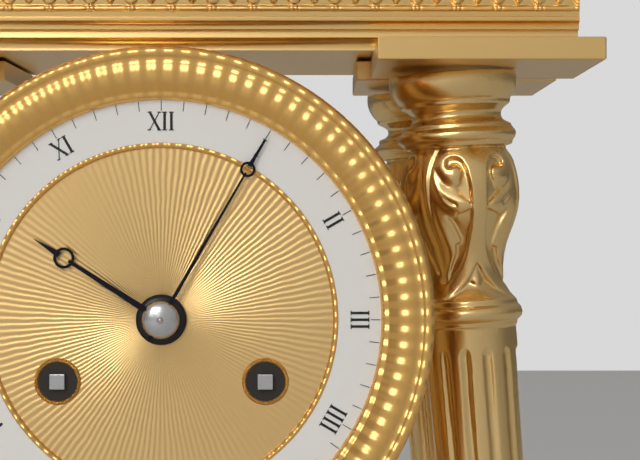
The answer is **10:05**
